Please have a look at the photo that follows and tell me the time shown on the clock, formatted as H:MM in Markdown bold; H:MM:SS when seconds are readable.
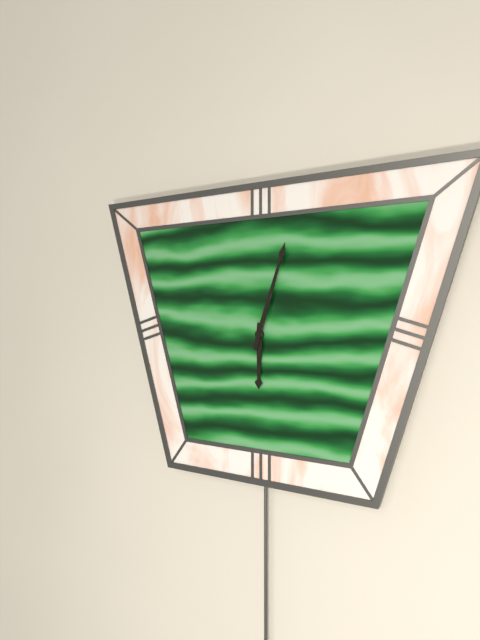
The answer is **6:03**
